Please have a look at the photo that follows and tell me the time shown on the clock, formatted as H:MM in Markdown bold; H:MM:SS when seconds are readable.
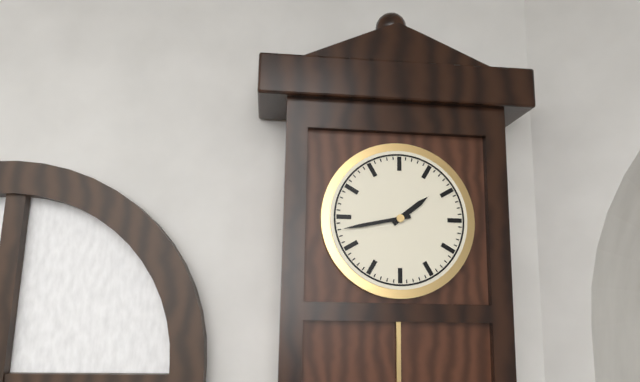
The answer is **1:43**
